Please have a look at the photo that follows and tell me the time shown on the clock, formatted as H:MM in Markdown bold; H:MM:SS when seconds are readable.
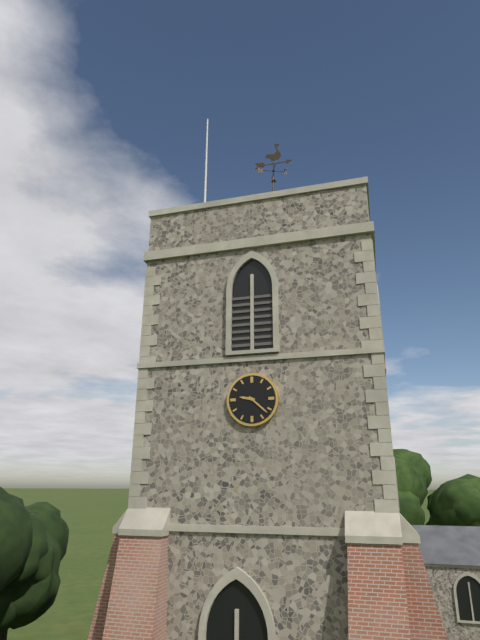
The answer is **9:22**
